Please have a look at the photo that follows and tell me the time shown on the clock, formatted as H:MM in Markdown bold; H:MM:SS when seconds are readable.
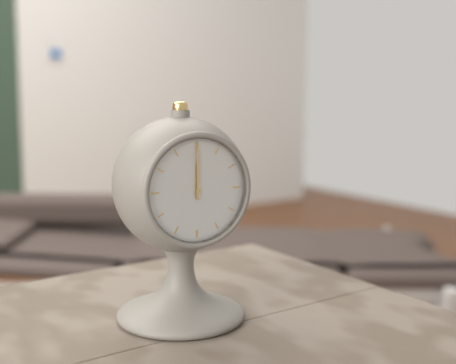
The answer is **12:00**
